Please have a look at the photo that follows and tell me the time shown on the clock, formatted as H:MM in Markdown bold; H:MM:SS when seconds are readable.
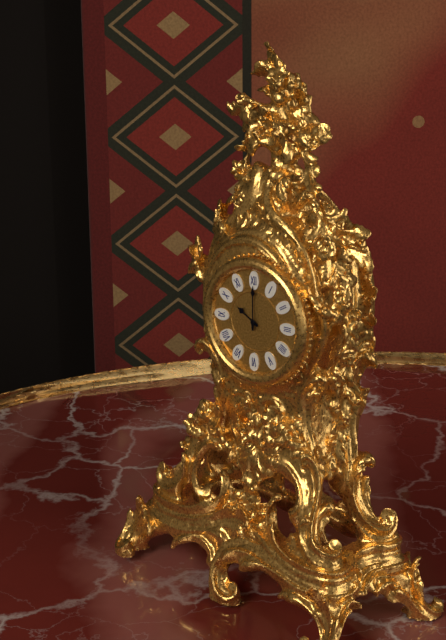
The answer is **10:00**
